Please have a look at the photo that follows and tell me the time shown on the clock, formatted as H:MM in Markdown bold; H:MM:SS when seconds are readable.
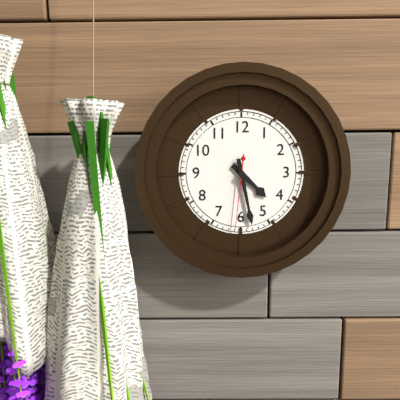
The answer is **4:28:31**
